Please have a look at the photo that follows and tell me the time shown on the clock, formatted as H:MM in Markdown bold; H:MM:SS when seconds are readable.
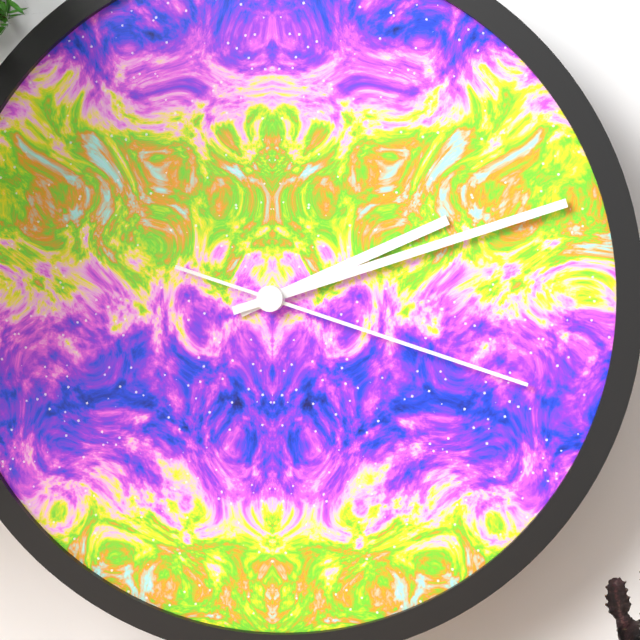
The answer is **2:12:18**
